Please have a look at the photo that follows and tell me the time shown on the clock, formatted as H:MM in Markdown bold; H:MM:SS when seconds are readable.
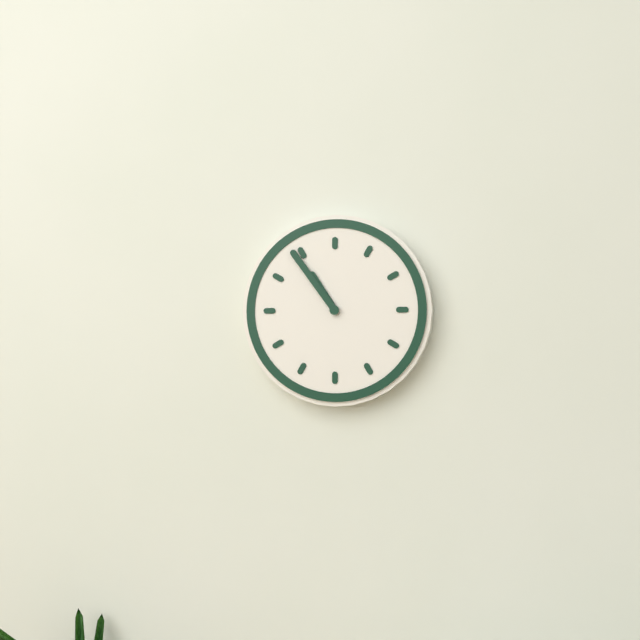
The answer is **10:54**
